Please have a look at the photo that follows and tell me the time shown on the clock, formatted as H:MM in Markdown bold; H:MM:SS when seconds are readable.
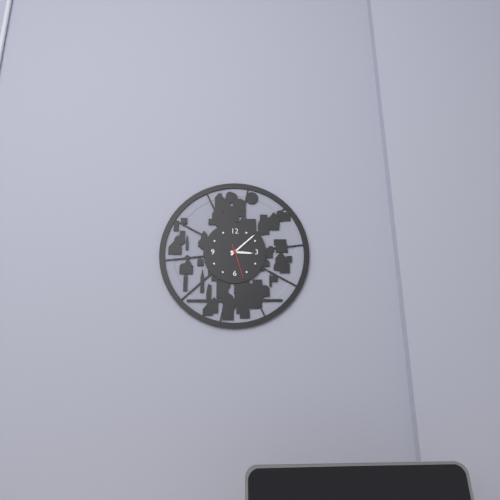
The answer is **3:08**
